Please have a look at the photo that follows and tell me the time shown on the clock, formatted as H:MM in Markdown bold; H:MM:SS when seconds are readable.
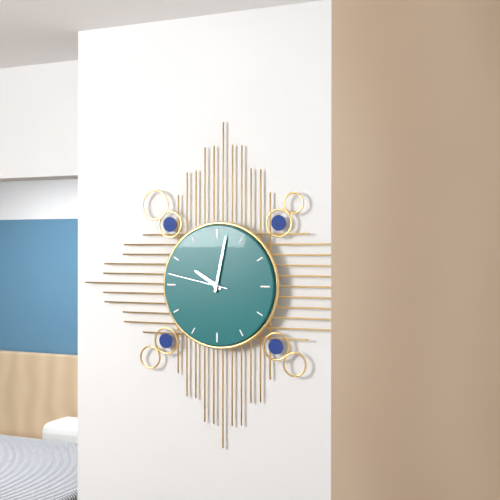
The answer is **10:02:47**
